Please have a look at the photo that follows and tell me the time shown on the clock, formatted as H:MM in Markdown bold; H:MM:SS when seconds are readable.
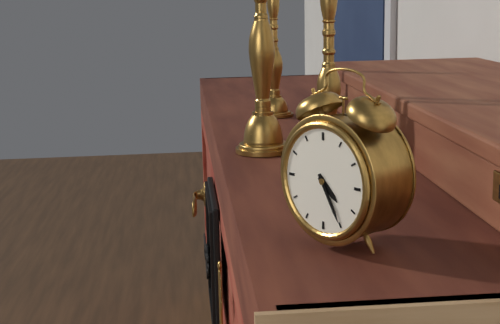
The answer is **4:25**
